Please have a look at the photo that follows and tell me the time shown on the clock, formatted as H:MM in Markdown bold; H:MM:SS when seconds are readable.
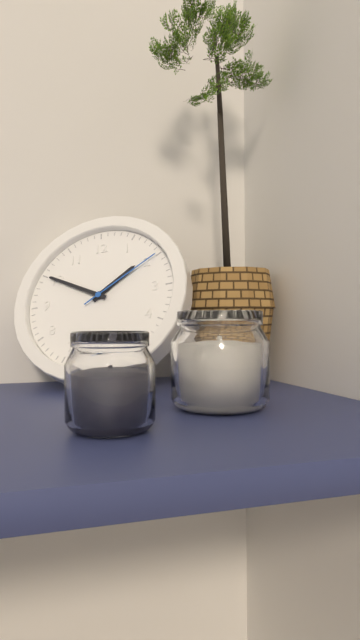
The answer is **1:50:10**
